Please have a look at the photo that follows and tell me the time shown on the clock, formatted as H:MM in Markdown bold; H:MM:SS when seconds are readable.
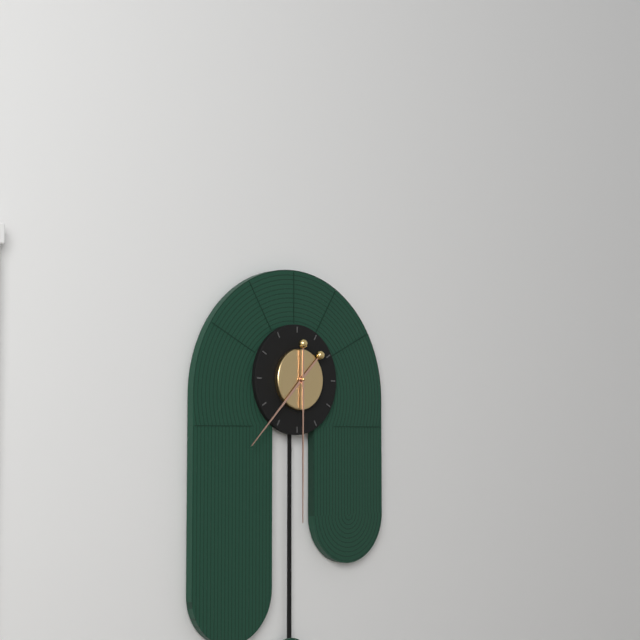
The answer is **7:30**
